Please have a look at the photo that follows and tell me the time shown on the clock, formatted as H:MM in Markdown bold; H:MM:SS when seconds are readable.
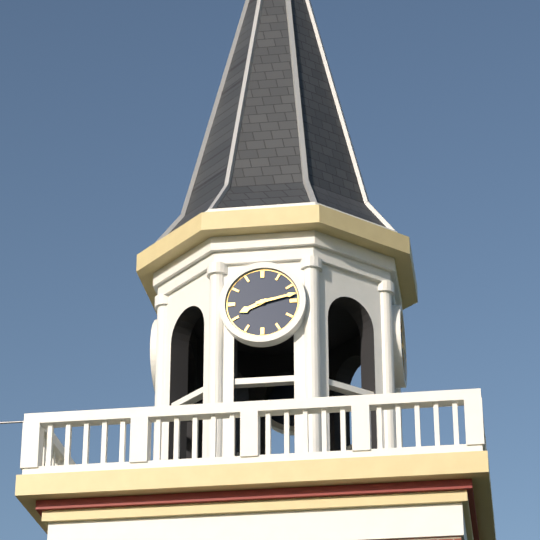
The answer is **8:13**
